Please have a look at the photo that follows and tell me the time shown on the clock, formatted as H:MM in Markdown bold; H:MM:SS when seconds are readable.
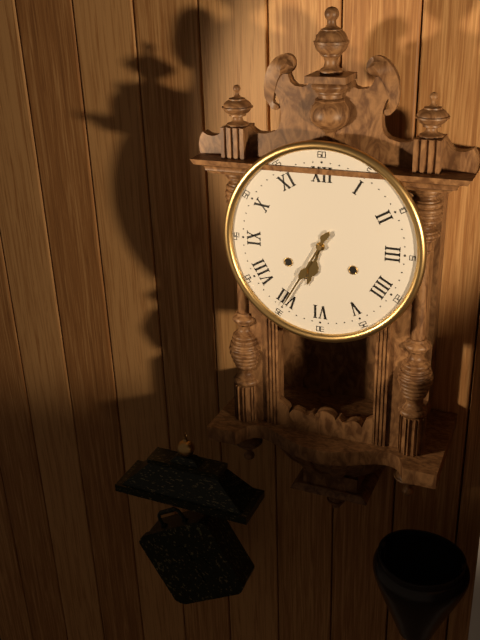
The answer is **6:35**
